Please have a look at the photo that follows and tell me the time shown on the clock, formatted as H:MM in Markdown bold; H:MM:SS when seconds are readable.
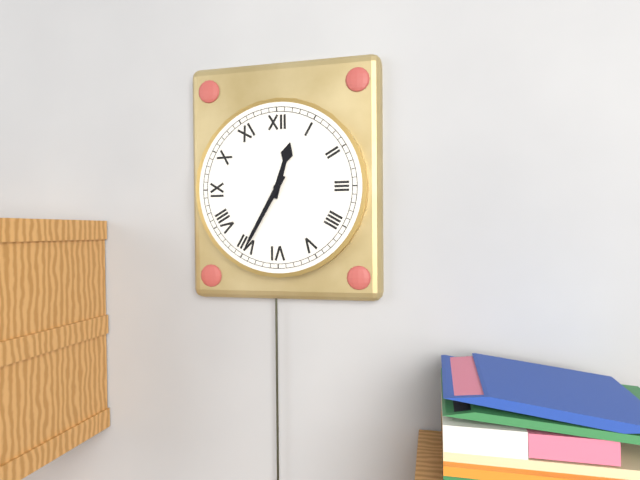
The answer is **12:35**
